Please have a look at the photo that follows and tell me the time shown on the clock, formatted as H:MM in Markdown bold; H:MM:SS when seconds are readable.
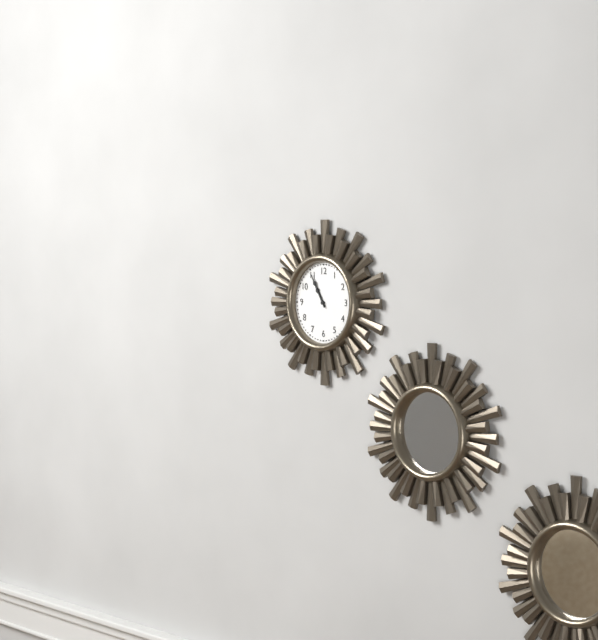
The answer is **10:55**
